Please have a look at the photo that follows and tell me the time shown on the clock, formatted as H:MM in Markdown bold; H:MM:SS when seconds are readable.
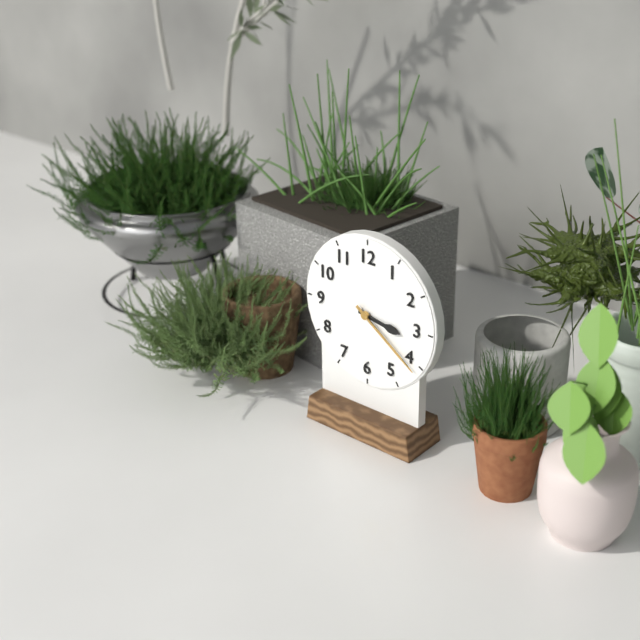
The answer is **3:21**
